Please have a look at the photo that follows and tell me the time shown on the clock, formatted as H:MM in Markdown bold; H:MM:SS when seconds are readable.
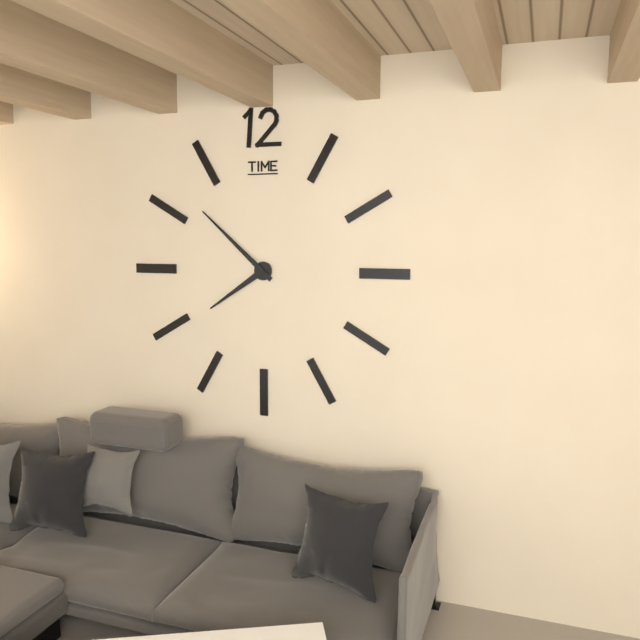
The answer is **7:52**
